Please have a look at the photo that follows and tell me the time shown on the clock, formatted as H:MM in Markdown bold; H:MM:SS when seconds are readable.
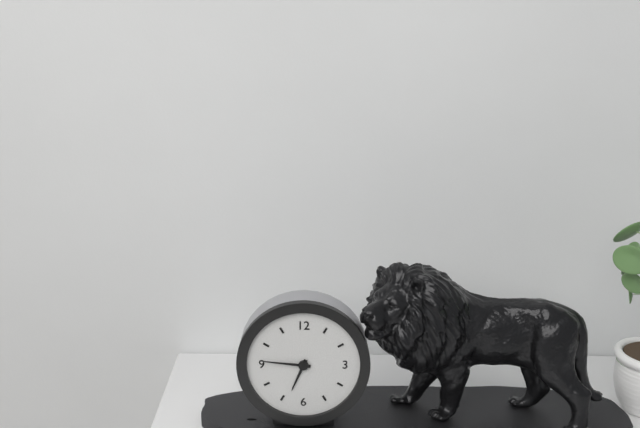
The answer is **6:46**
